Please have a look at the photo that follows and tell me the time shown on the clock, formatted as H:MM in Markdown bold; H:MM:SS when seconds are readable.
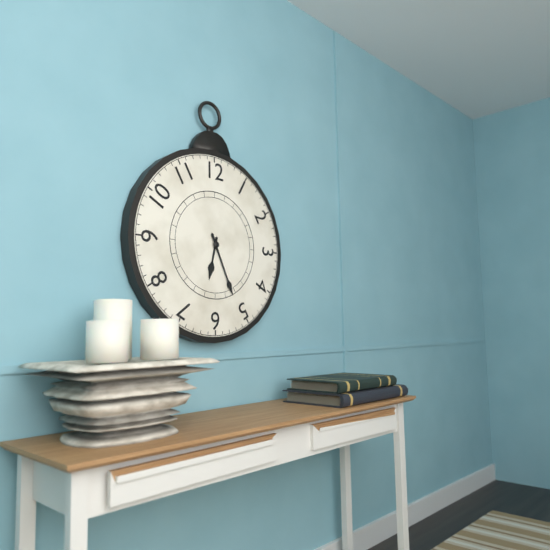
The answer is **6:26**
